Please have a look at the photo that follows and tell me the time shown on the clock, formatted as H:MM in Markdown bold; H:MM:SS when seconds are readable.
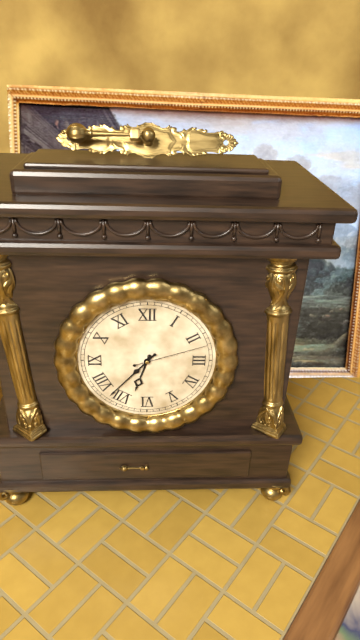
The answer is **6:37:12**
